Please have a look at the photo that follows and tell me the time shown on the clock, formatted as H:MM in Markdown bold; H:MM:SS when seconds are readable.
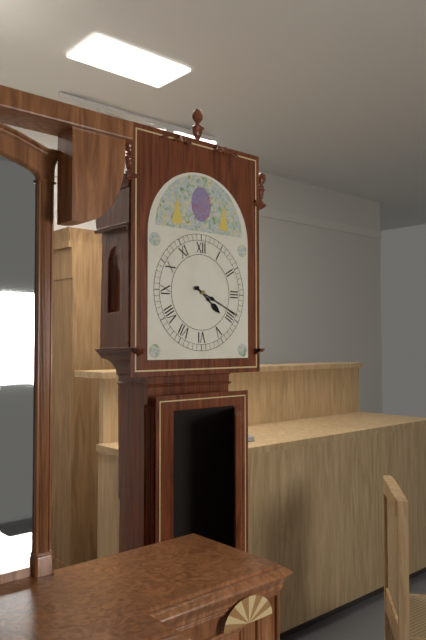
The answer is **4:19**
